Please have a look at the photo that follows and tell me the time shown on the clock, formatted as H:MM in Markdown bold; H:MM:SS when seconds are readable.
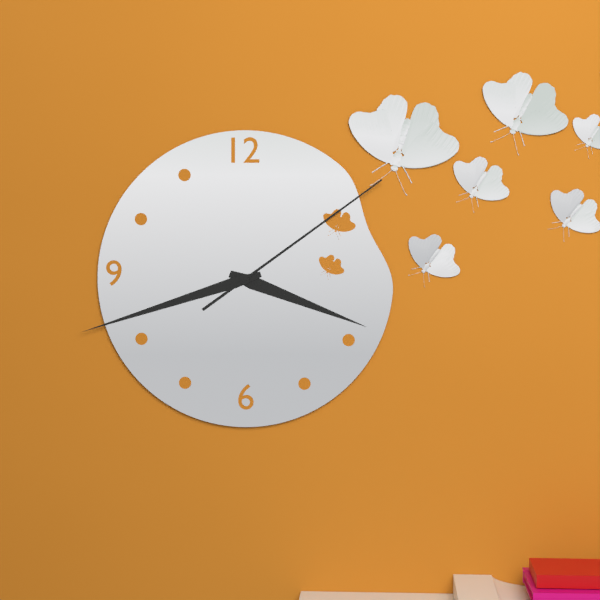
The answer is **3:42:09**
